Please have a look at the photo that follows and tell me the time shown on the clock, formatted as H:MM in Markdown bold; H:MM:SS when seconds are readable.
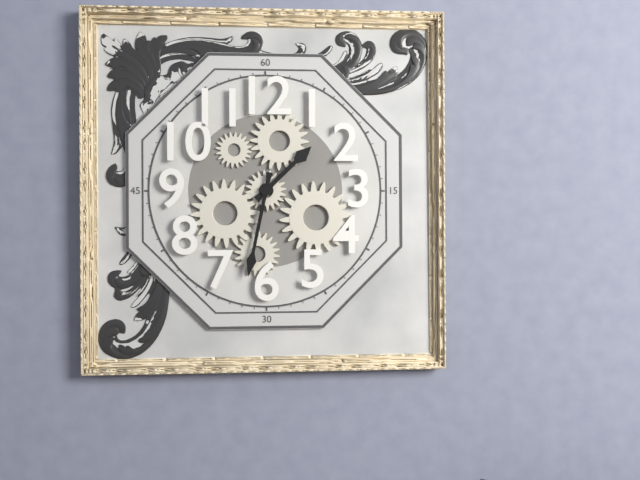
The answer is **1:32**
